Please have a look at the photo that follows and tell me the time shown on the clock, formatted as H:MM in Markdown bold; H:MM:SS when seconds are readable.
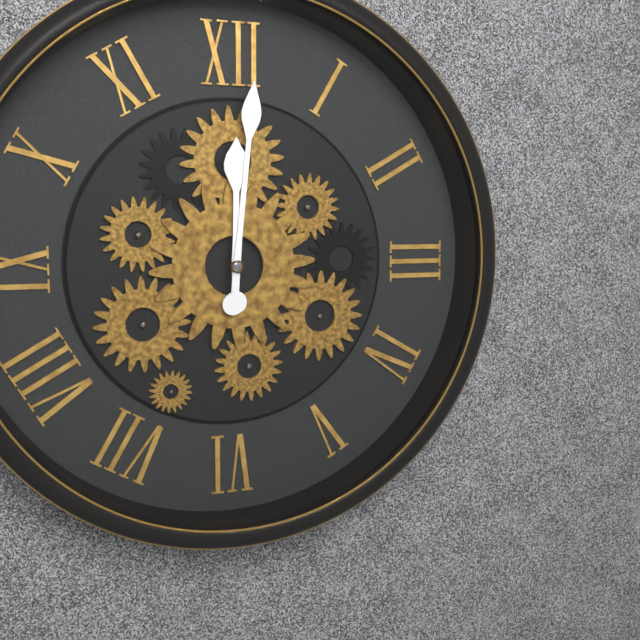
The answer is **12:01**
